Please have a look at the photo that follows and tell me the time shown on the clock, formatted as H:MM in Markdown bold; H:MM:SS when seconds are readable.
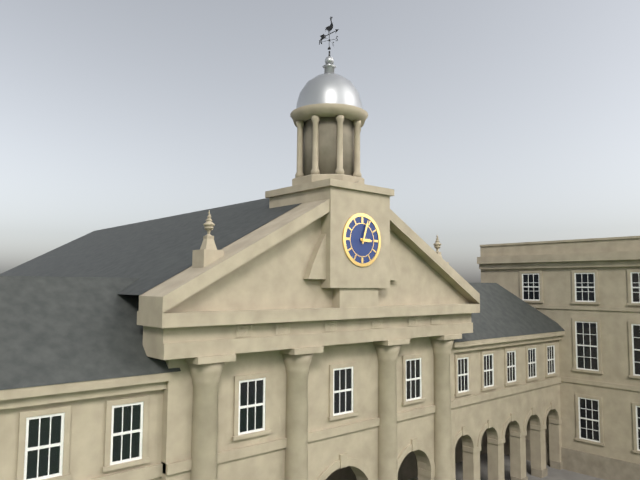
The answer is **3:03**
